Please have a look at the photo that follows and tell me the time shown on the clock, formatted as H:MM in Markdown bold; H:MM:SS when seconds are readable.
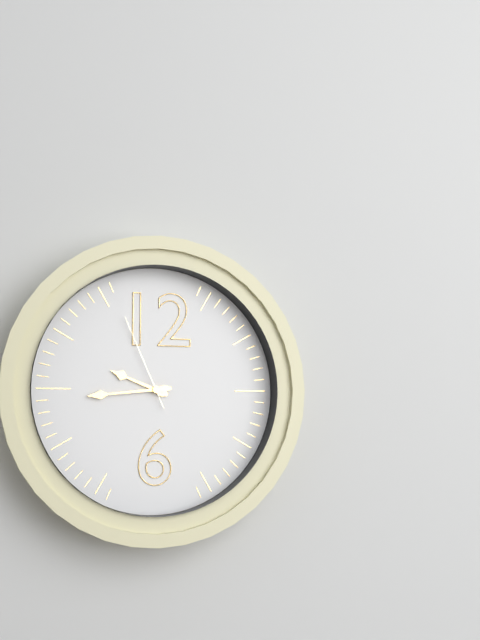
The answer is **9:44:56**
